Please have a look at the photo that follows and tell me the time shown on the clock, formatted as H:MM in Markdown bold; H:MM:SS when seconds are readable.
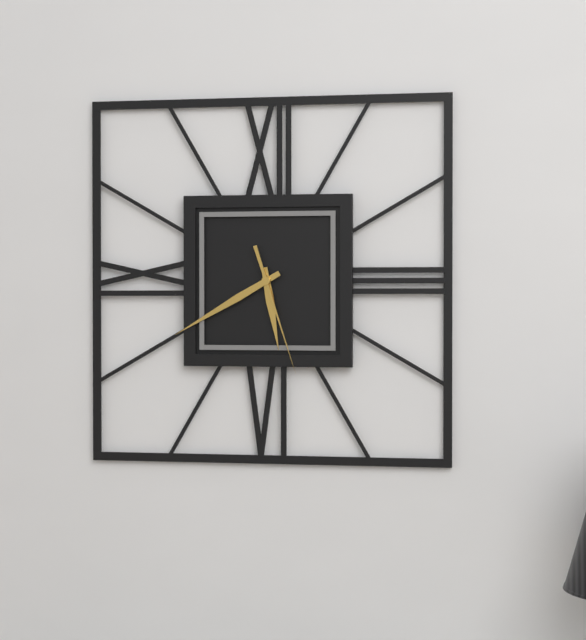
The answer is **5:40:27**
